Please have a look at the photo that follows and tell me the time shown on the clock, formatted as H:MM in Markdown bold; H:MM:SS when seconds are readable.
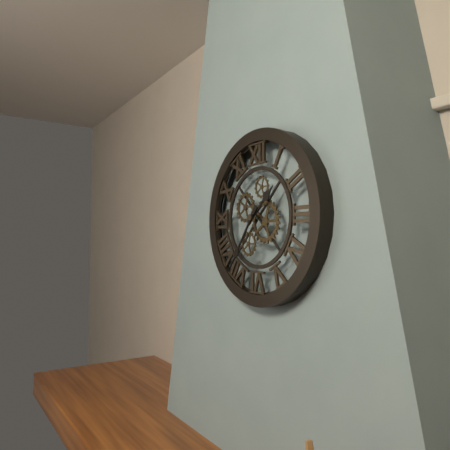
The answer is **1:36**
